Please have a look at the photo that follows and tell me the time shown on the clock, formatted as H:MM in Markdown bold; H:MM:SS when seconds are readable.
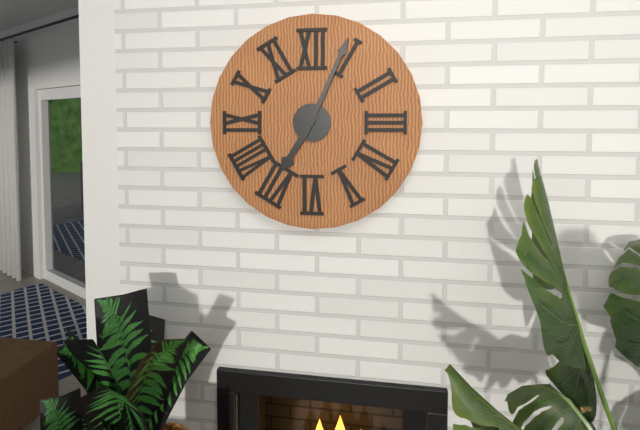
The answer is **7:04**
